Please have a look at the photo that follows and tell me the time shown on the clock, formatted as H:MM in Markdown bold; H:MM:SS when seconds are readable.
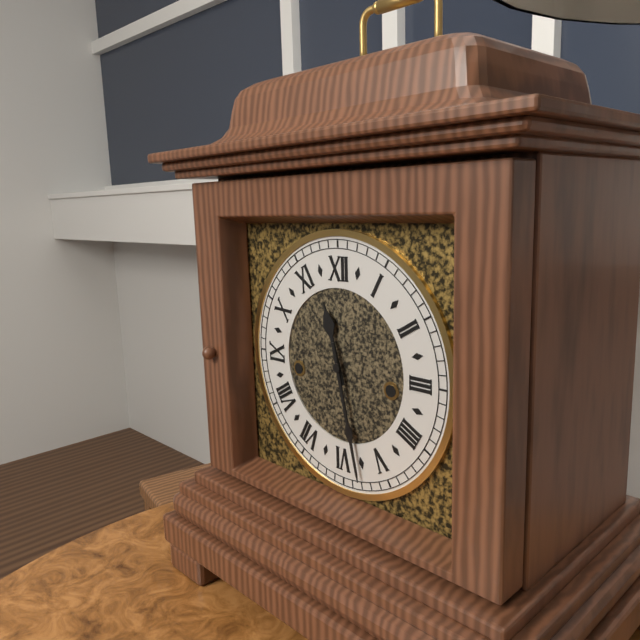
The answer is **11:28**
